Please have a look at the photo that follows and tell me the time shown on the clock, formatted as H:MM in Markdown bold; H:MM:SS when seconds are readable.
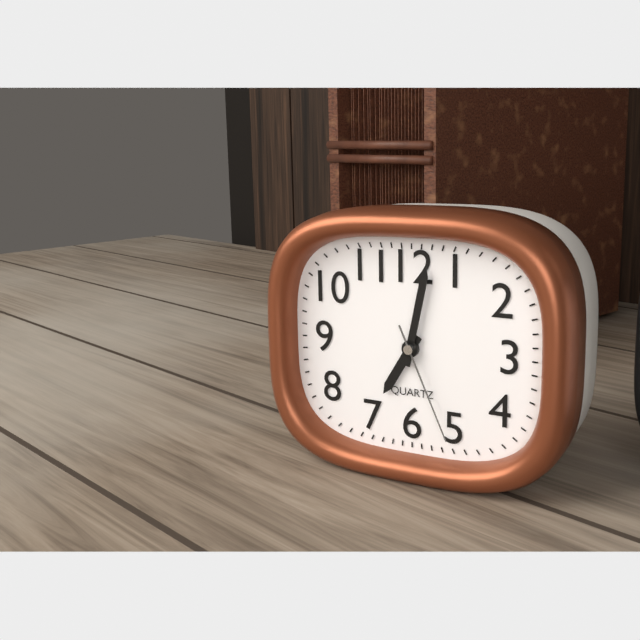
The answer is **7:02:26**
